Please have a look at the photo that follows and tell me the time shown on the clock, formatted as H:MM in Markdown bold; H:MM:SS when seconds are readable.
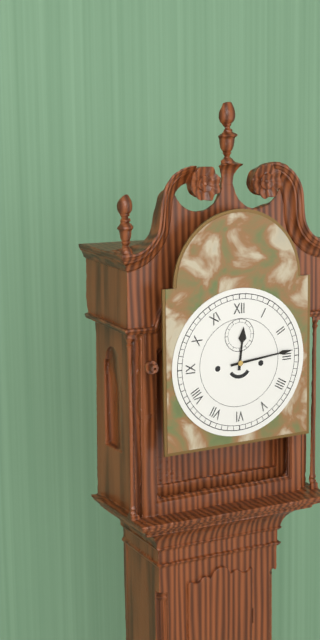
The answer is **12:14**
